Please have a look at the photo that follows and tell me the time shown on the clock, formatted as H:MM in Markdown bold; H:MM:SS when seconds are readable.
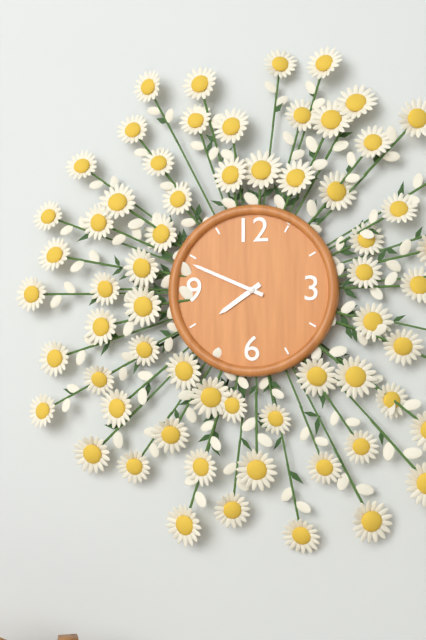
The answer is **7:49**
